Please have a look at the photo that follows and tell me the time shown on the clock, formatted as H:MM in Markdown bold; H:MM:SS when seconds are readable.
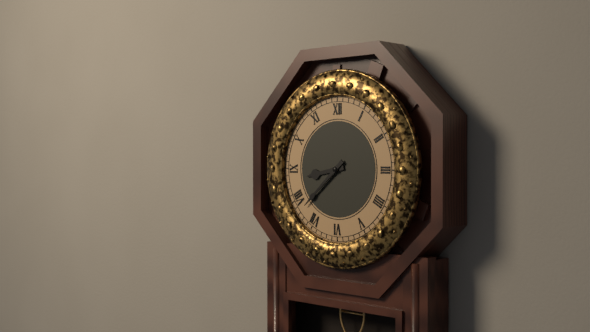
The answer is **8:38**
